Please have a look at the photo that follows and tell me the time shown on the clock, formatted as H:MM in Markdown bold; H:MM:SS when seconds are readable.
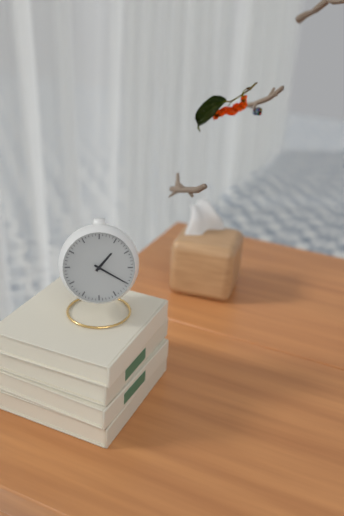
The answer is **1:20**
